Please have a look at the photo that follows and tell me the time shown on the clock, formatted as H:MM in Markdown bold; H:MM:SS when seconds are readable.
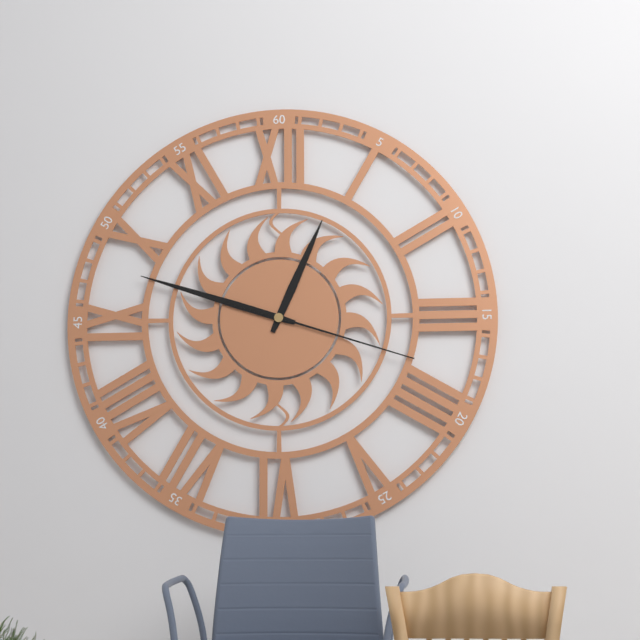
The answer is **12:48:18**
